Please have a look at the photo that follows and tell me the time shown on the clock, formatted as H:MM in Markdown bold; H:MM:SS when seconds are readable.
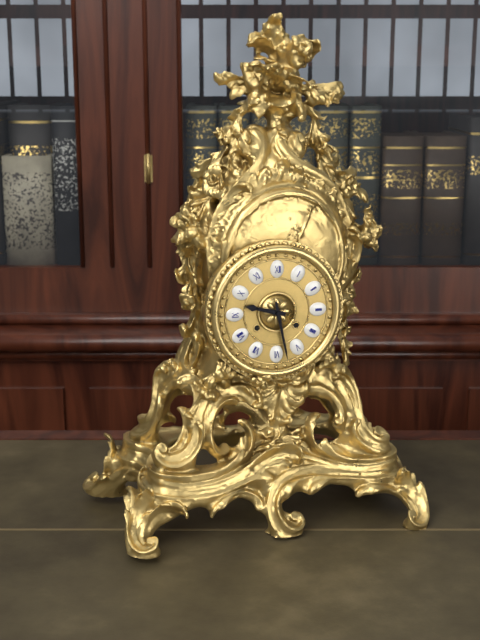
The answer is **9:28**
